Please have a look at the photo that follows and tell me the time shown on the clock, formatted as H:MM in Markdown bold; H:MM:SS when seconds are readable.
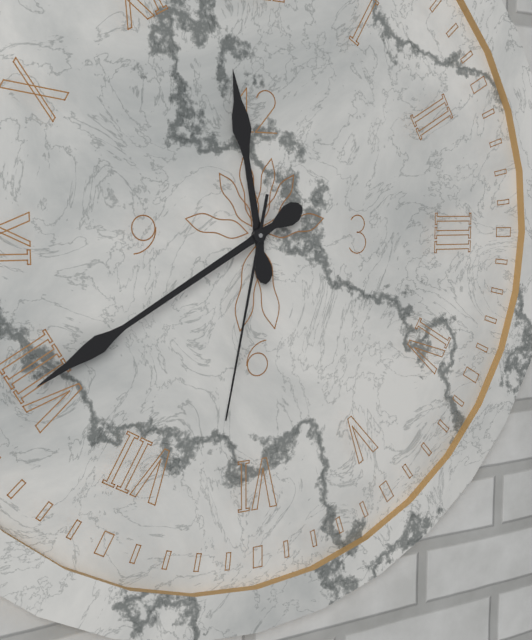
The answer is **11:40:32**
